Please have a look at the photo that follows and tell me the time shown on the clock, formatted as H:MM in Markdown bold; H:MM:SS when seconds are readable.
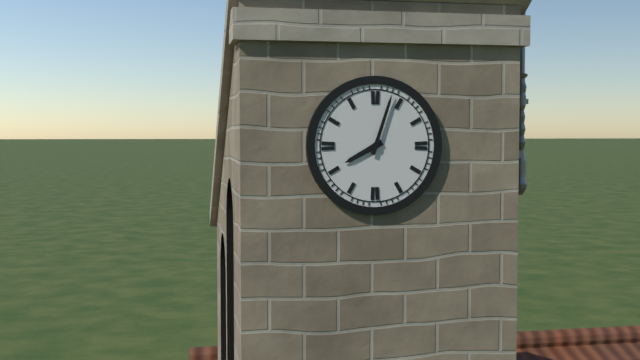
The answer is **8:03**
